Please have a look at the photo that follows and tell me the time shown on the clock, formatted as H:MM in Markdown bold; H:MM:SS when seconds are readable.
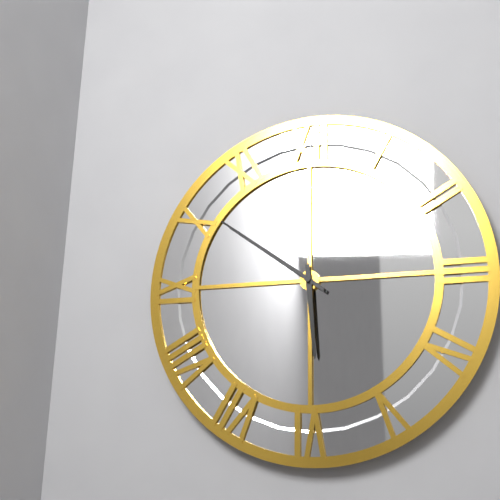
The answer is **5:51**
